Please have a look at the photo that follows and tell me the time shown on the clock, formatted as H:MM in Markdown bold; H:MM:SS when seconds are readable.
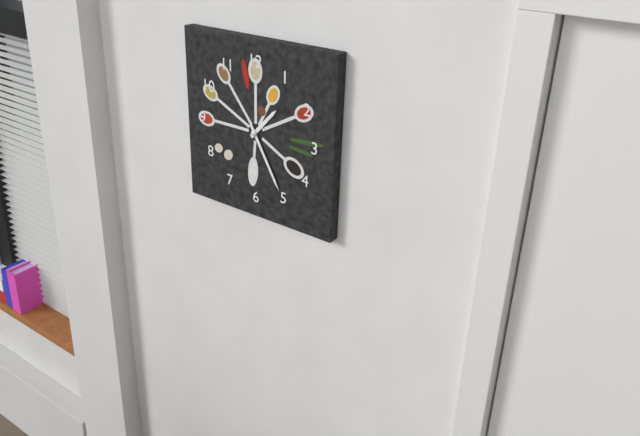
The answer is **1:25**
